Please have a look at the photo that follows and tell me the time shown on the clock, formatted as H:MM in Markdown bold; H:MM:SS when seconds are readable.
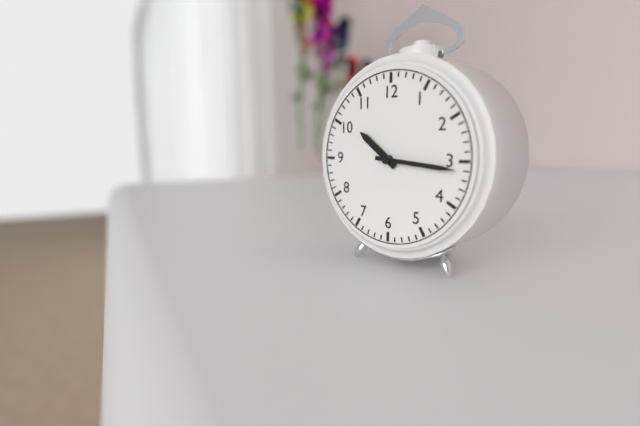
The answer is **10:16**
